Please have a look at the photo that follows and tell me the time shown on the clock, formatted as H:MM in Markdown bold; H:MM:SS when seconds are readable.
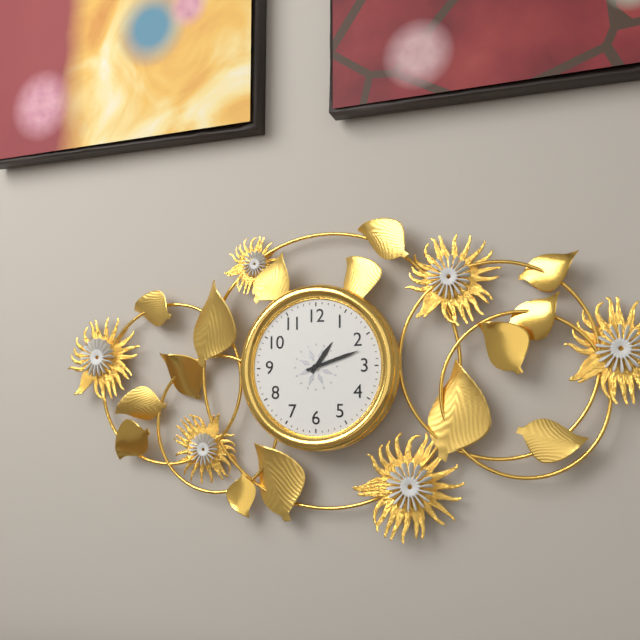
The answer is **1:12**
